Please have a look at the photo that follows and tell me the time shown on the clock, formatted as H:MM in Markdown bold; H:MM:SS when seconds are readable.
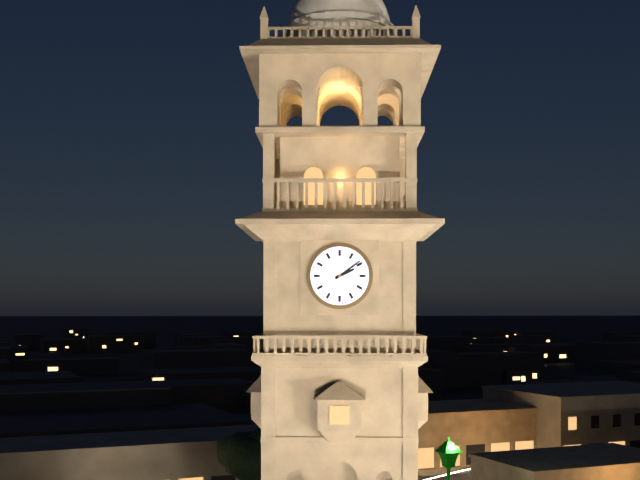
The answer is **2:09**
